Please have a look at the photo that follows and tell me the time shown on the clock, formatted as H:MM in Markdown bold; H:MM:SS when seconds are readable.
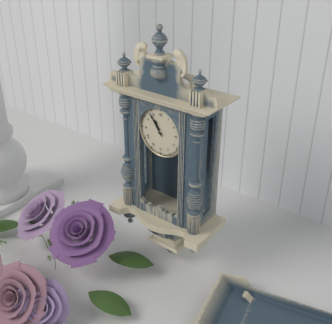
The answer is **10:54**
